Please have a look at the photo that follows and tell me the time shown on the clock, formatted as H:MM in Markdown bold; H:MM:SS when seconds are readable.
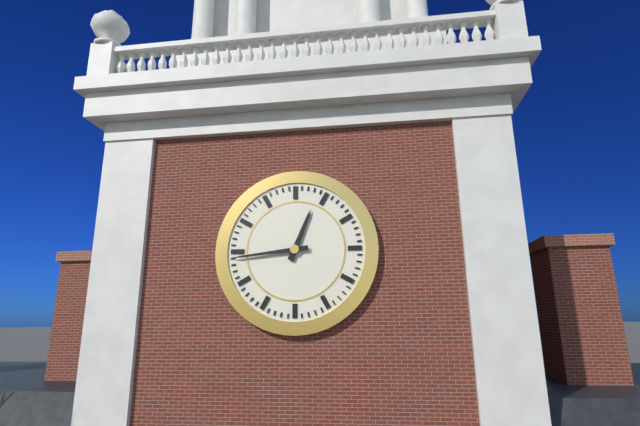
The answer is **12:44**
